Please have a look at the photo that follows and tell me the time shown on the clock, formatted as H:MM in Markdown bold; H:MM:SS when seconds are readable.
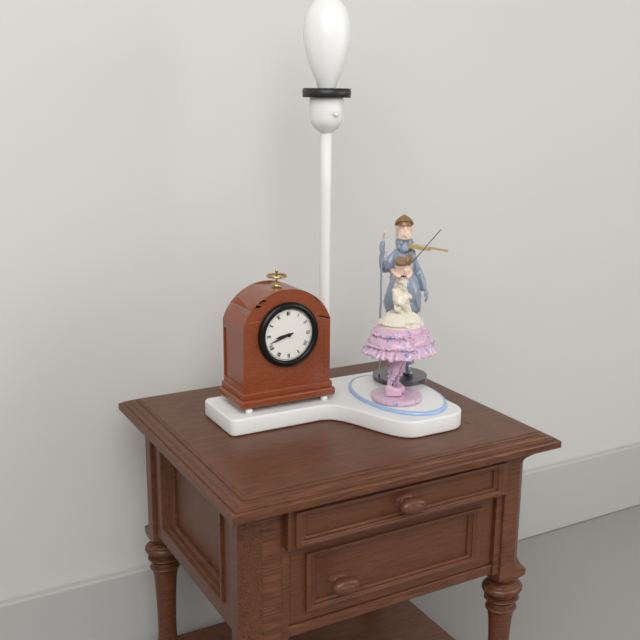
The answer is **8:42**
